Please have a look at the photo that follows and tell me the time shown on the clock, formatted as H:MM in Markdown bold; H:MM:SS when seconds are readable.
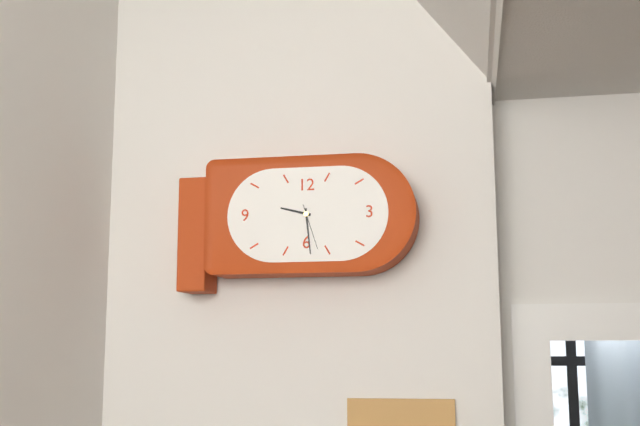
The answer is **9:29**
